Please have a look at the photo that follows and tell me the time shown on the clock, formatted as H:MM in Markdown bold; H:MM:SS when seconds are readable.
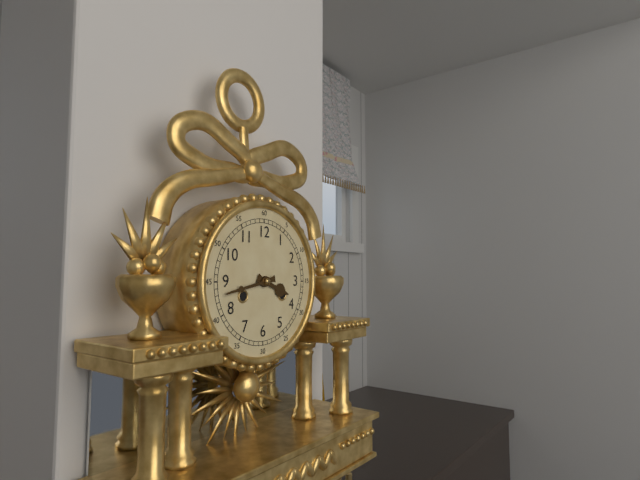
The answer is **3:43**
